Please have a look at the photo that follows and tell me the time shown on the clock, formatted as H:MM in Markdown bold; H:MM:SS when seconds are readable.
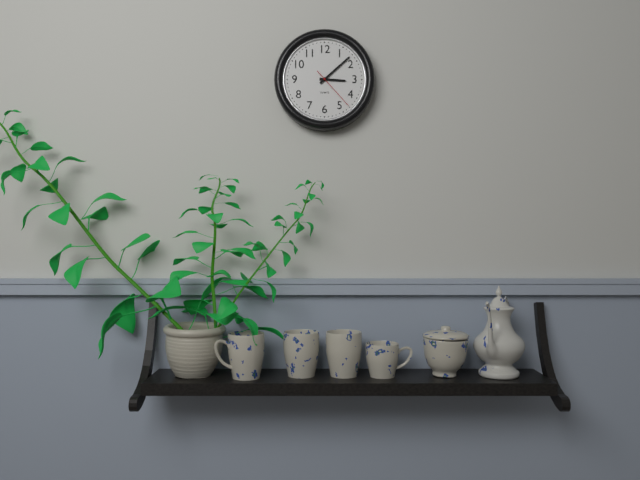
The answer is **3:08**
